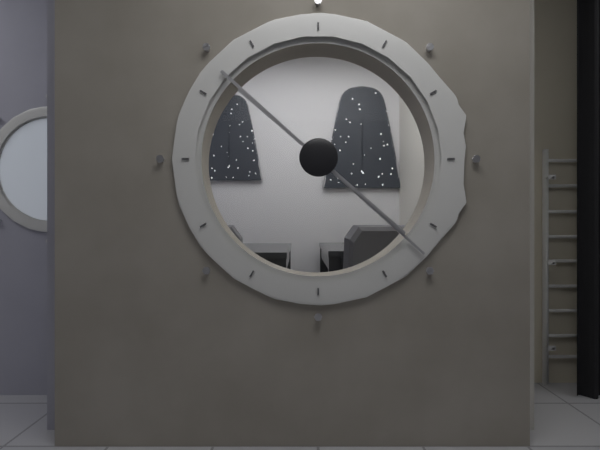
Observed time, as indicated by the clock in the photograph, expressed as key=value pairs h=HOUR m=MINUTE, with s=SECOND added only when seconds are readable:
h=4 m=22
